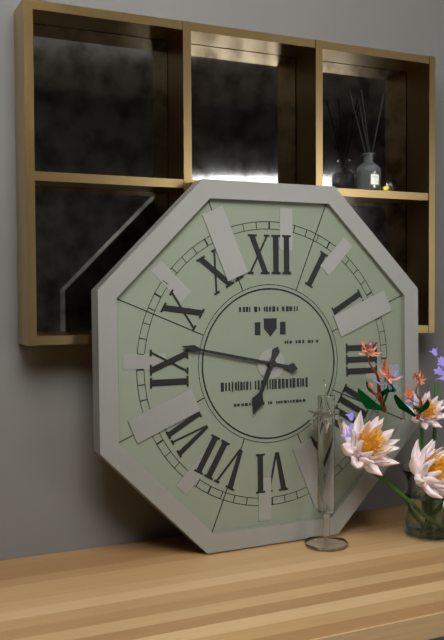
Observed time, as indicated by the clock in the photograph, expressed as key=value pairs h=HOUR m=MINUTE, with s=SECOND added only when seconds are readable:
h=6 m=47
